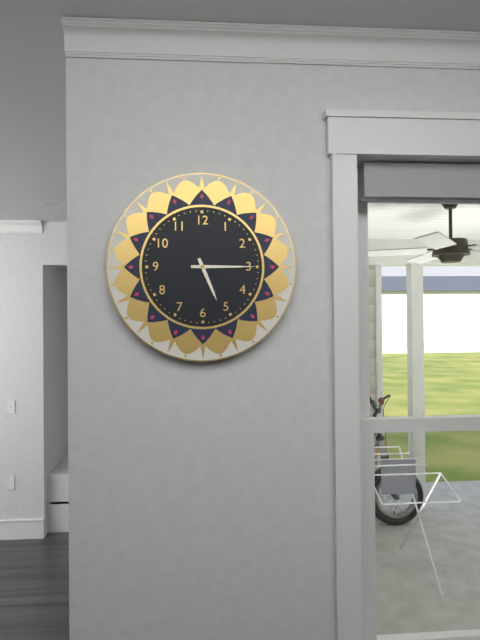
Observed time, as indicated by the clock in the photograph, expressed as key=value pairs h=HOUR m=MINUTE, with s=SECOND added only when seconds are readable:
h=5 m=15
